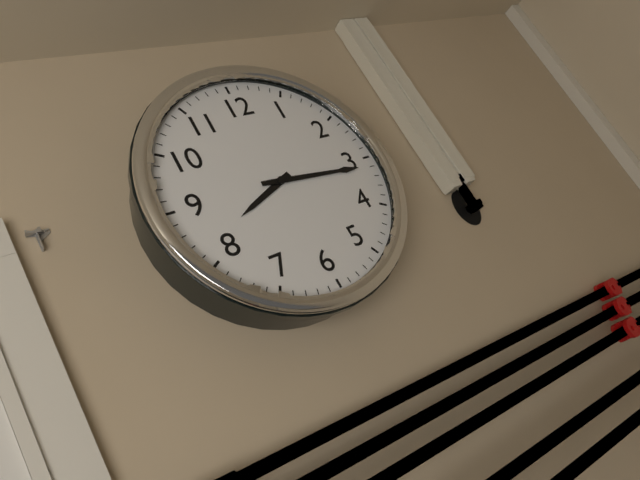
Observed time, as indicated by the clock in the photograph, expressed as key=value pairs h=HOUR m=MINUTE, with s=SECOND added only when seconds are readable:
h=8 m=16
